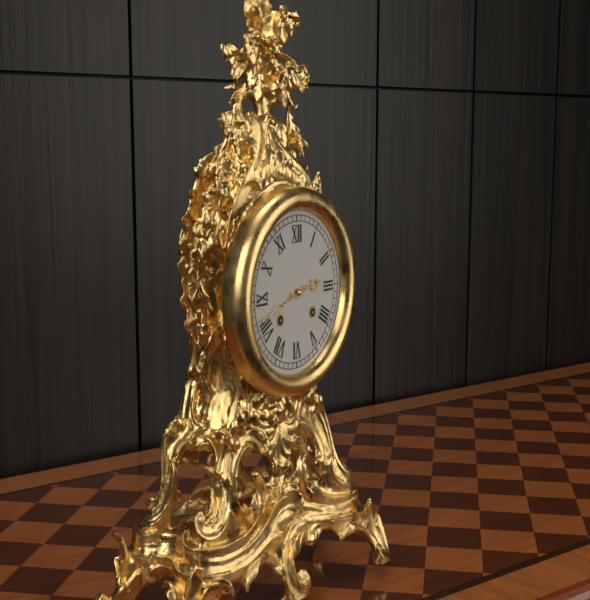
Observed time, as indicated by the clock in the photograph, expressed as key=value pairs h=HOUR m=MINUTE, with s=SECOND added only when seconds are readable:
h=2 m=42
